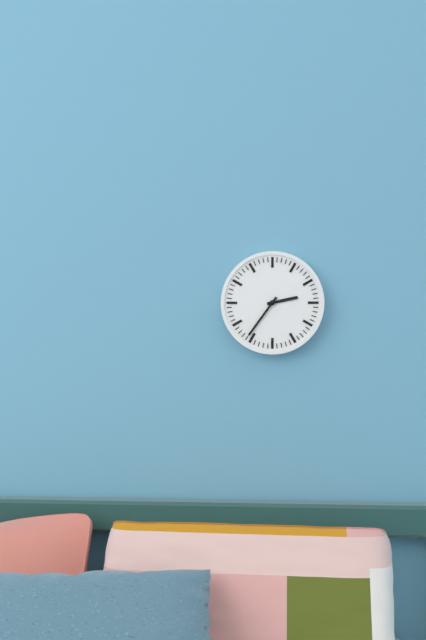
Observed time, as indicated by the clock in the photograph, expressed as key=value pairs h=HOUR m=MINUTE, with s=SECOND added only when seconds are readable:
h=2 m=36
